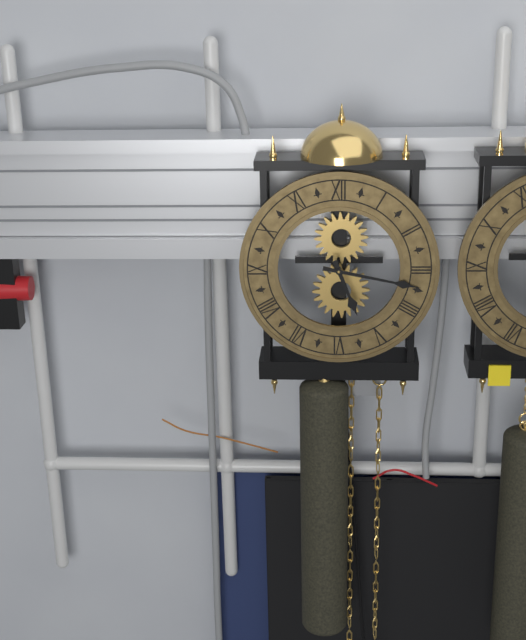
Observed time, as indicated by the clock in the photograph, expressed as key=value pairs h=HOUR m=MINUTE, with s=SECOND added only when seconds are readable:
h=5 m=17
